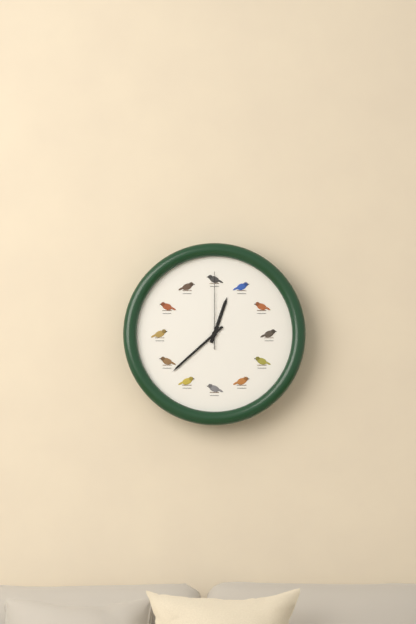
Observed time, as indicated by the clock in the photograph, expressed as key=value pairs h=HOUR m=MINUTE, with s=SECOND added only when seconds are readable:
h=12 m=38 s=0
